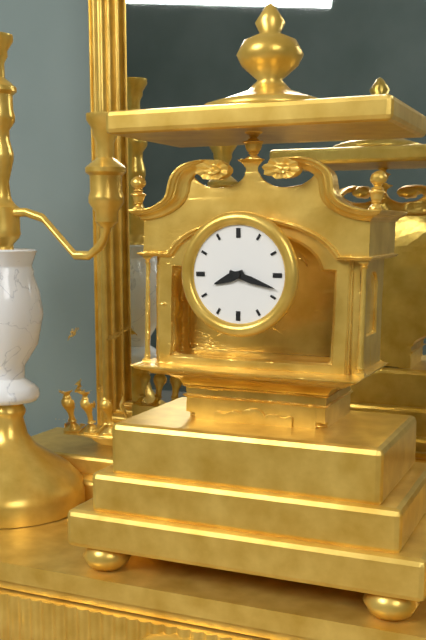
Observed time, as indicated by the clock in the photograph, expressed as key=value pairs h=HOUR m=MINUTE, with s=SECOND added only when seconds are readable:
h=8 m=18
